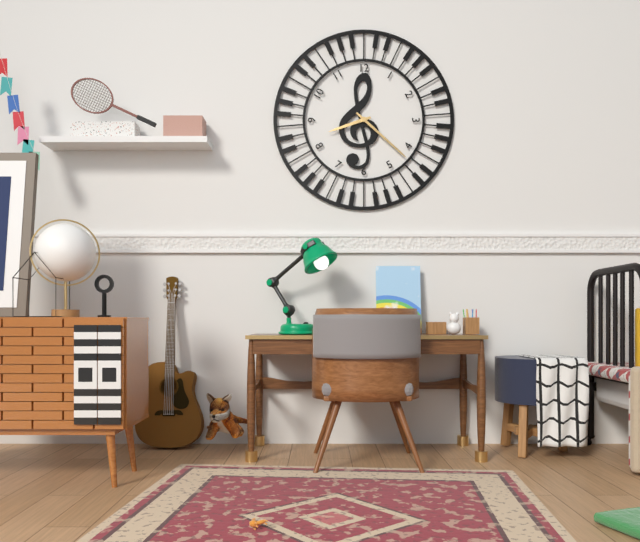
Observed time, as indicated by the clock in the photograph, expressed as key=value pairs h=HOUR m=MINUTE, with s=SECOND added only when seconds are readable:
h=8 m=22
